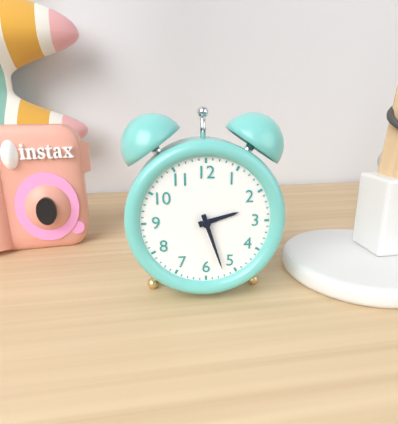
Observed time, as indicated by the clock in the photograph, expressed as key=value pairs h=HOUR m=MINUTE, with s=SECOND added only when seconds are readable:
h=2 m=27
